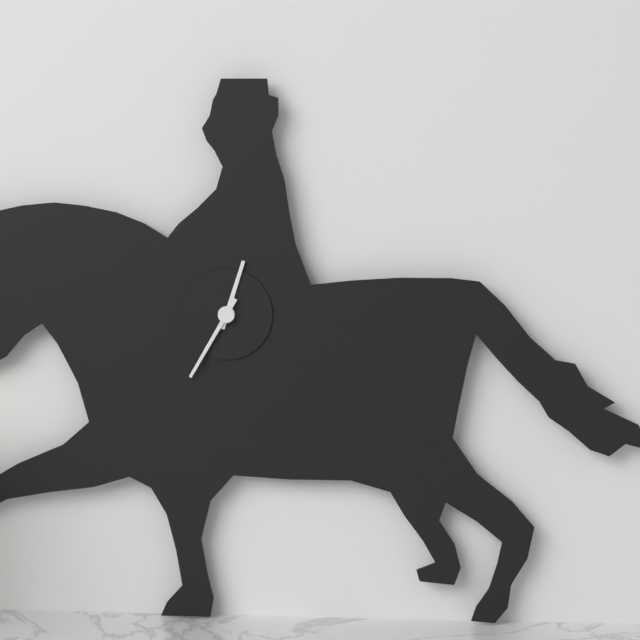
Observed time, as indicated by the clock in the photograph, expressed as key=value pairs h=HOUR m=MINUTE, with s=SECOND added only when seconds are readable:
h=12 m=35
